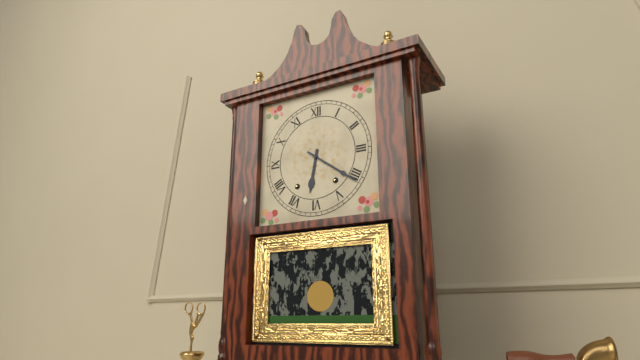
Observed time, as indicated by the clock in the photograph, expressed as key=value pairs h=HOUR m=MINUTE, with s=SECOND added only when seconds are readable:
h=6 m=21
